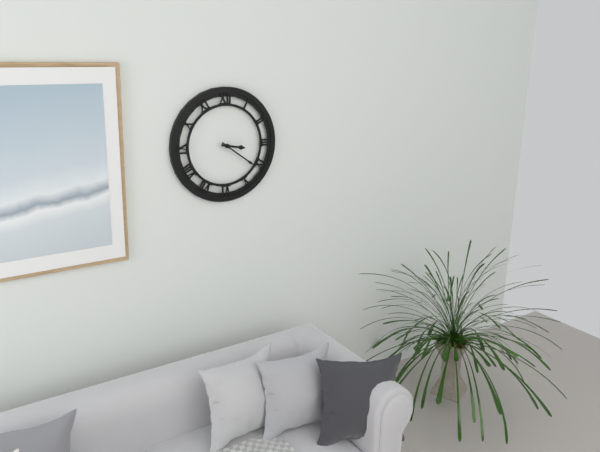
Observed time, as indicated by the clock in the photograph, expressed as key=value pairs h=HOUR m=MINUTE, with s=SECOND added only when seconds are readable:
h=3 m=21
